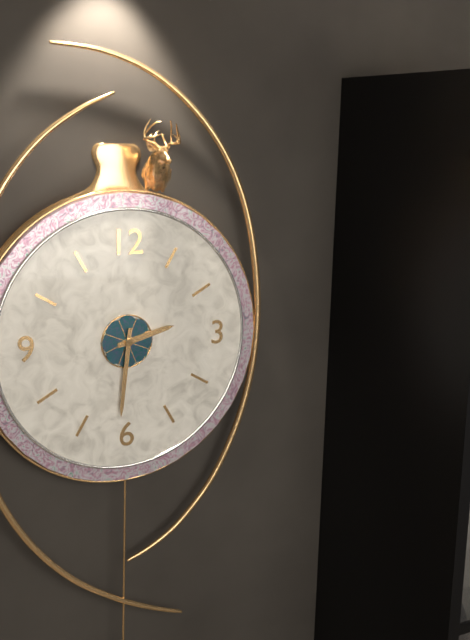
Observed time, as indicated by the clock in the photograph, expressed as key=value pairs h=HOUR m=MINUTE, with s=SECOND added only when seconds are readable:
h=2 m=31
